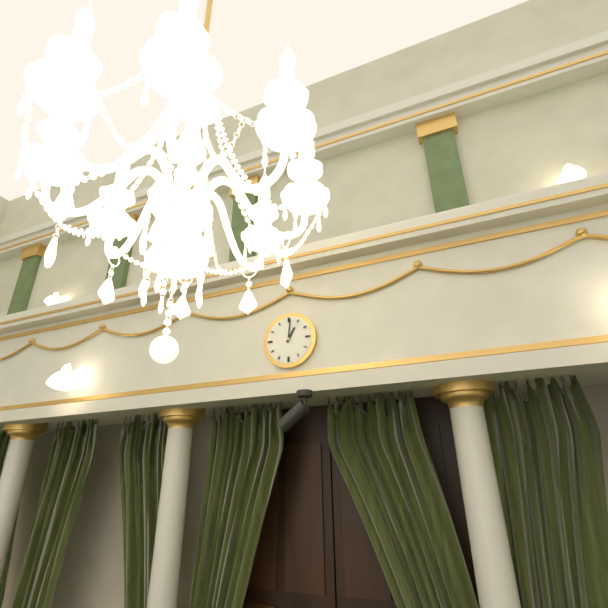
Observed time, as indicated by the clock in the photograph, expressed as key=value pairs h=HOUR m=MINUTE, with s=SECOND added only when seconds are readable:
h=1 m=1
